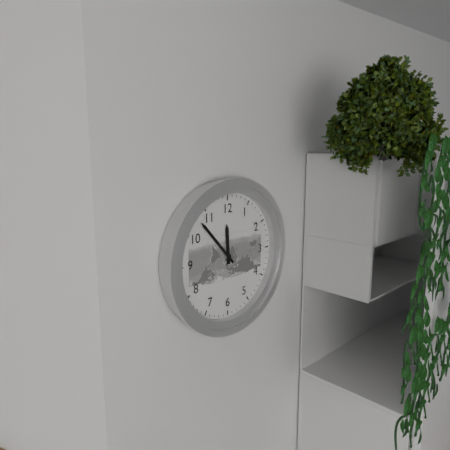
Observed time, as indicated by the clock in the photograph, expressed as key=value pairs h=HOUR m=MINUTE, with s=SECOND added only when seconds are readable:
h=11 m=53
